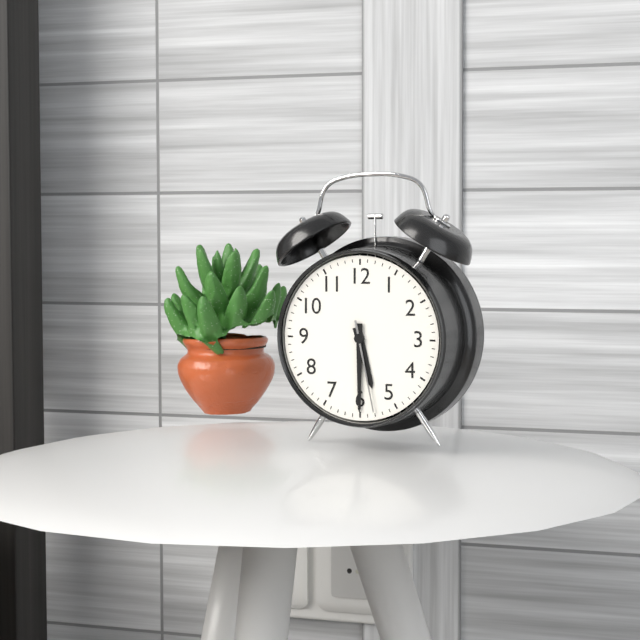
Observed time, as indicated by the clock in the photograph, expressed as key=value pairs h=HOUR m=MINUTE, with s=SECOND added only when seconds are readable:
h=5 m=30 s=28
